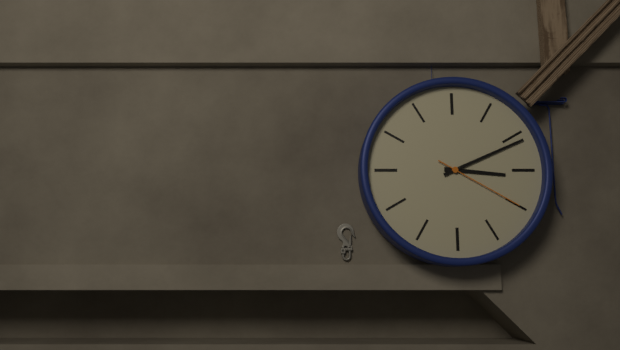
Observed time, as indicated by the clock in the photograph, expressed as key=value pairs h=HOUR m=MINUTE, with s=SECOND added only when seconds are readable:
h=3 m=11 s=20
